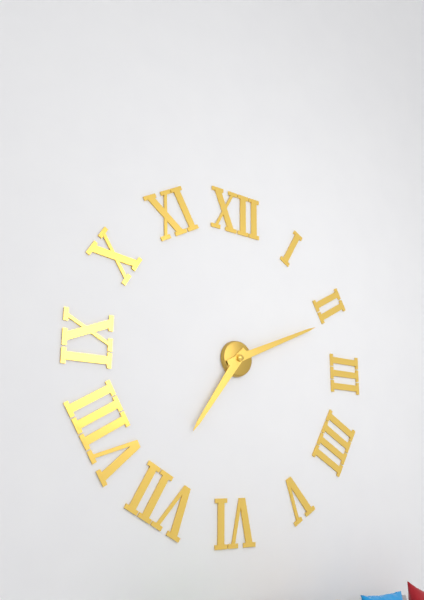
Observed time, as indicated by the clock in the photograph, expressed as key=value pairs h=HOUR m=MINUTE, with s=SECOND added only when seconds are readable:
h=7 m=11
